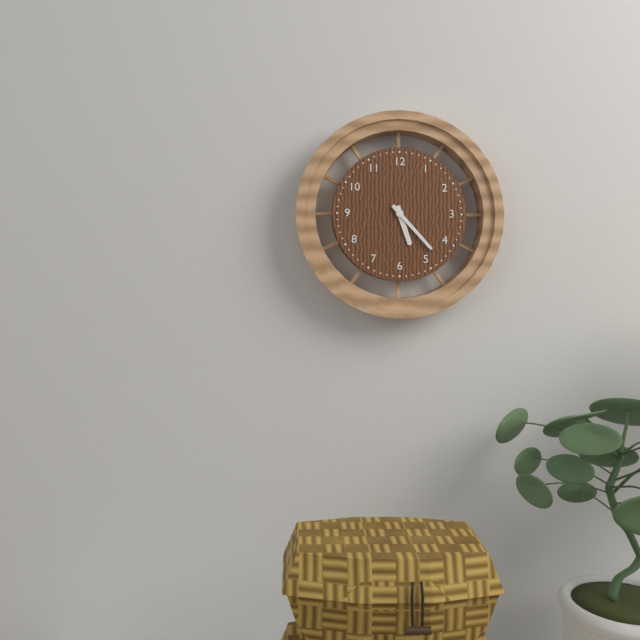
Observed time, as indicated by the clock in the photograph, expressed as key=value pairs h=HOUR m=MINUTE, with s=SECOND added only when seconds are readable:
h=5 m=23
